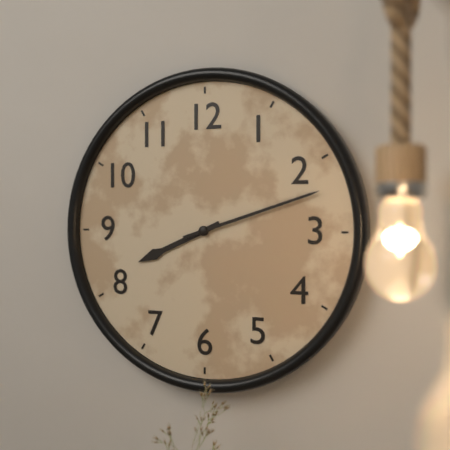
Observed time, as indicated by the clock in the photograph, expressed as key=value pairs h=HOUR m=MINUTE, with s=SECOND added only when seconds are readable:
h=8 m=12
